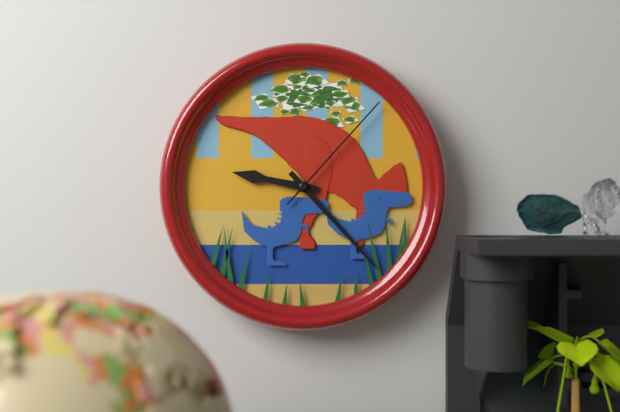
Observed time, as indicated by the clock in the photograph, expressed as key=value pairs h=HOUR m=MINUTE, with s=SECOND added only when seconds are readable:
h=9 m=23 s=7
